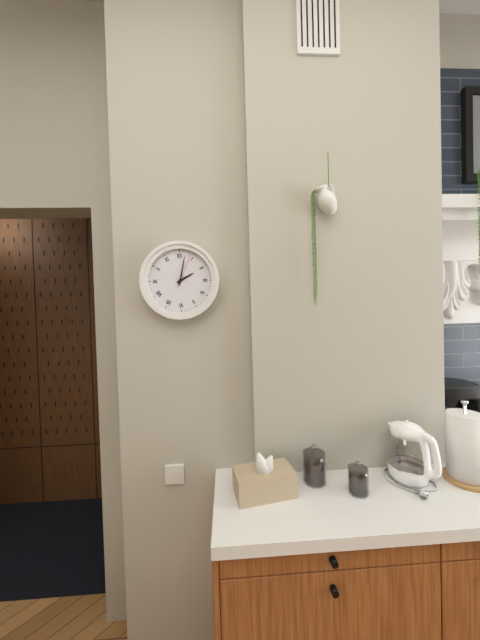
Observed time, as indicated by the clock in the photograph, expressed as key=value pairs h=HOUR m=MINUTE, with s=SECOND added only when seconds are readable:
h=2 m=2
